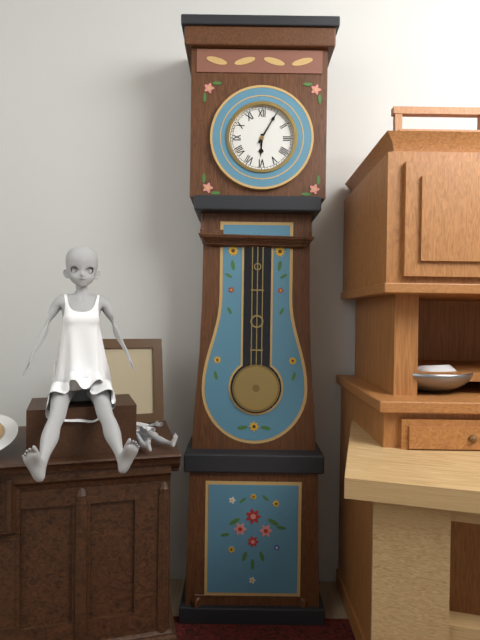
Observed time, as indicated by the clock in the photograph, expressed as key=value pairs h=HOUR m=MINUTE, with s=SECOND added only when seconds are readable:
h=6 m=5
